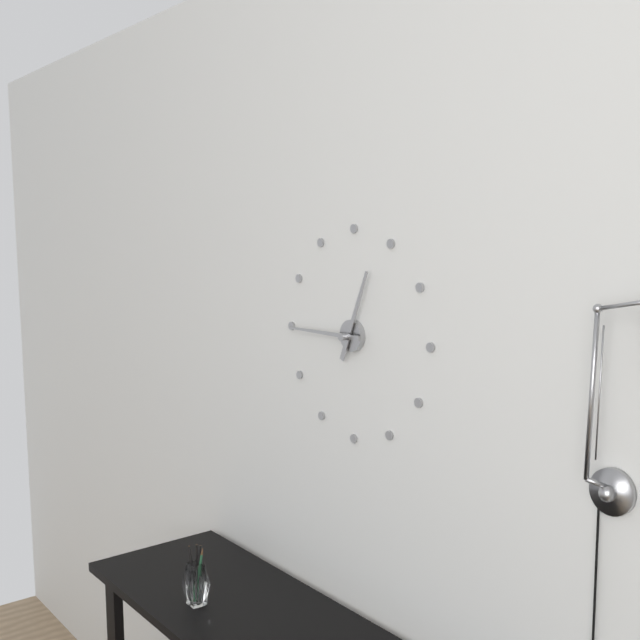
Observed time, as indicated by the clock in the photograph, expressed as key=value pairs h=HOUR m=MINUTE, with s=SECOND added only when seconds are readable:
h=12 m=45
